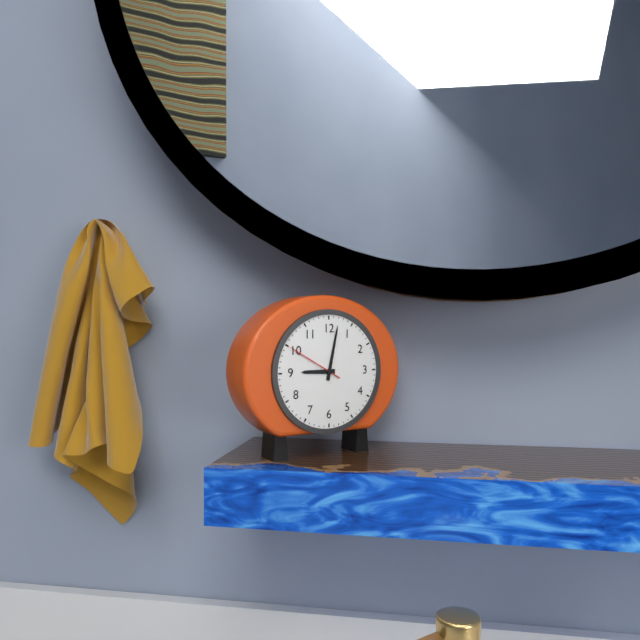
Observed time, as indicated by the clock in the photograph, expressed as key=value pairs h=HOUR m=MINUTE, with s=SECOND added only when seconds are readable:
h=9 m=2 s=50
